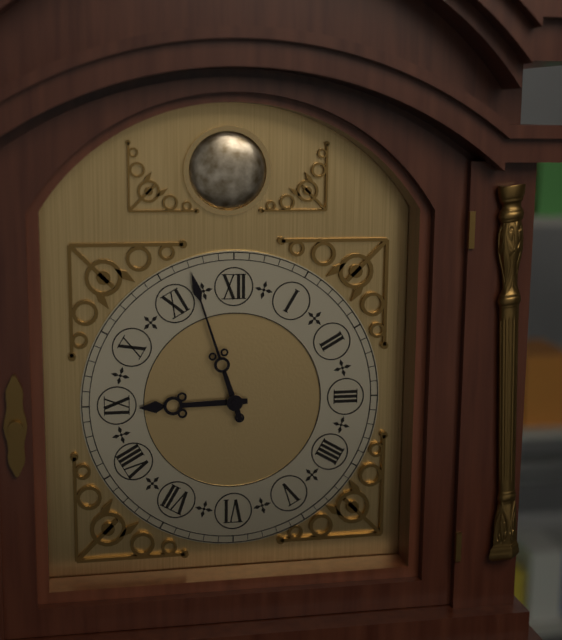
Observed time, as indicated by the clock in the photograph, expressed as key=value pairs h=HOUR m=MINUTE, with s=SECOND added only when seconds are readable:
h=8 m=57
